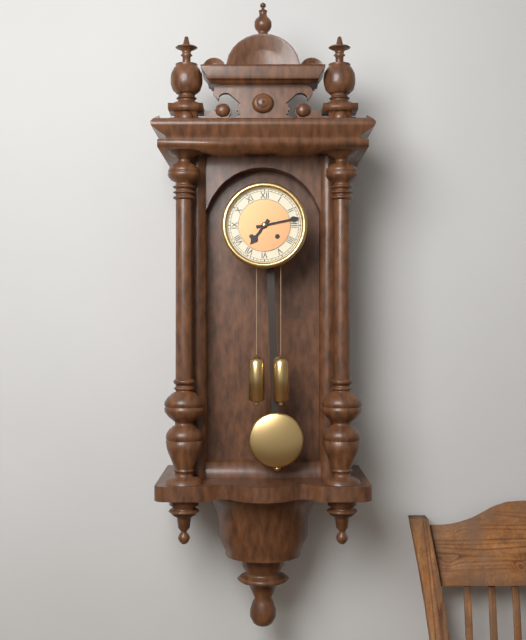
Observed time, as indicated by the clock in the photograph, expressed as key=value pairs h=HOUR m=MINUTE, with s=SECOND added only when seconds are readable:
h=7 m=13
